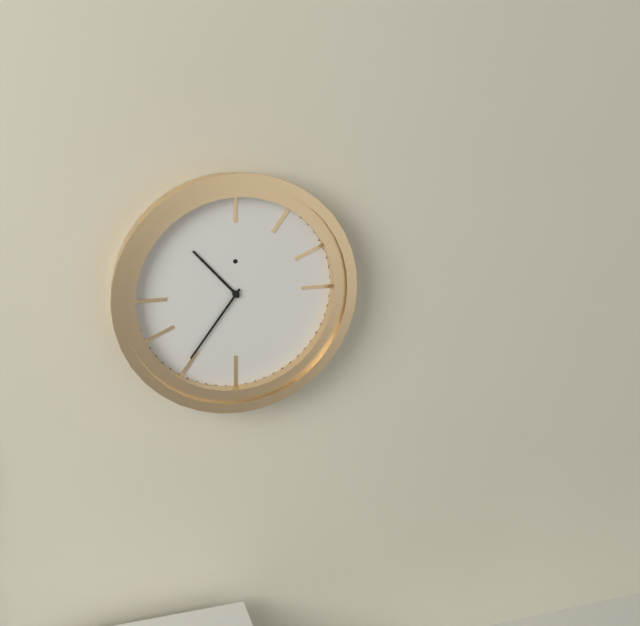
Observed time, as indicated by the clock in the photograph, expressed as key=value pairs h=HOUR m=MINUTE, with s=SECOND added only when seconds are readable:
h=10 m=36
